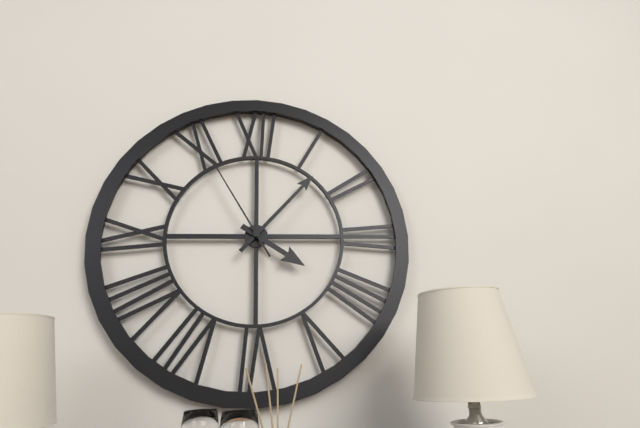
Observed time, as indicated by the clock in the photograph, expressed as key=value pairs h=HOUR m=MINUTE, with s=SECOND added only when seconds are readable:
h=4 m=7 s=55
